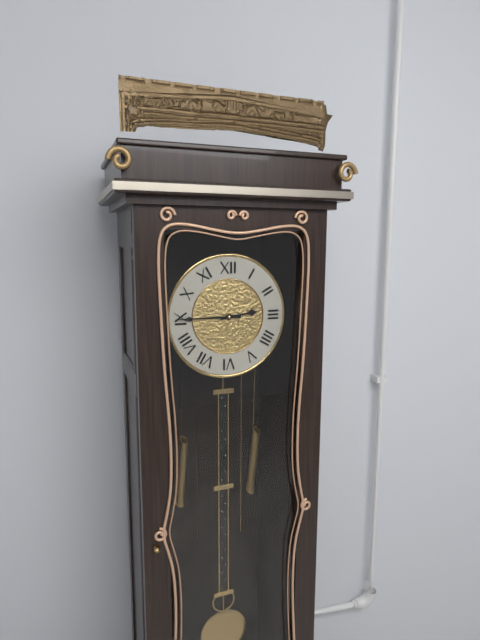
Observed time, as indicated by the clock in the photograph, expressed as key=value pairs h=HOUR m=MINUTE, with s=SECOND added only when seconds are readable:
h=2 m=45
